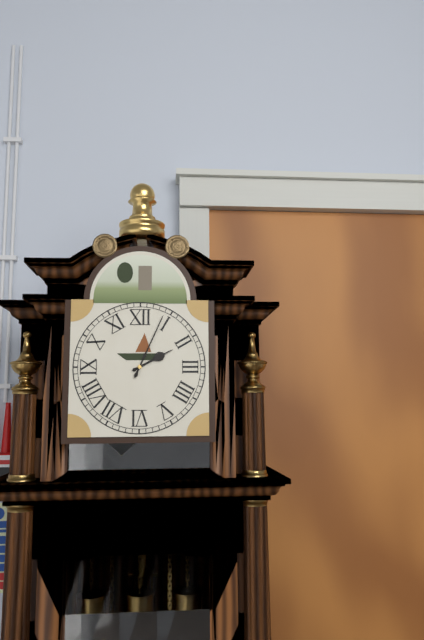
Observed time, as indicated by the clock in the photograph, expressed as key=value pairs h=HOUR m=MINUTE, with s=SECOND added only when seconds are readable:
h=2 m=4
